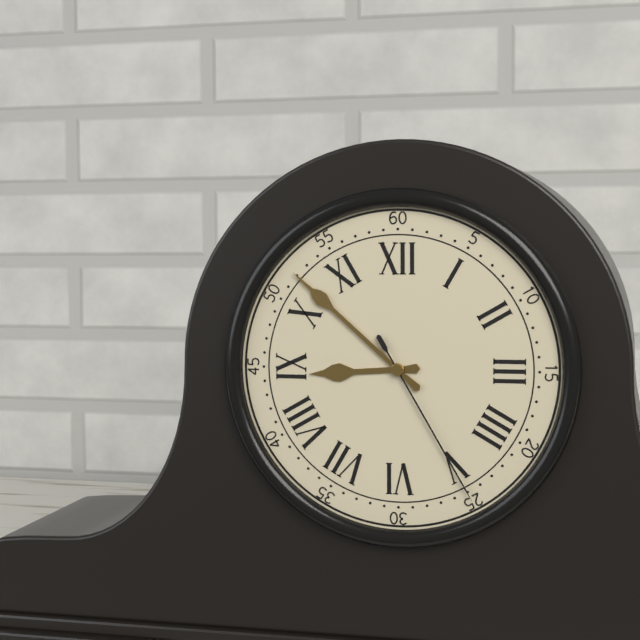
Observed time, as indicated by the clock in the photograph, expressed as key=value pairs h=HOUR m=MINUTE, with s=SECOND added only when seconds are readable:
h=8 m=52 s=25
